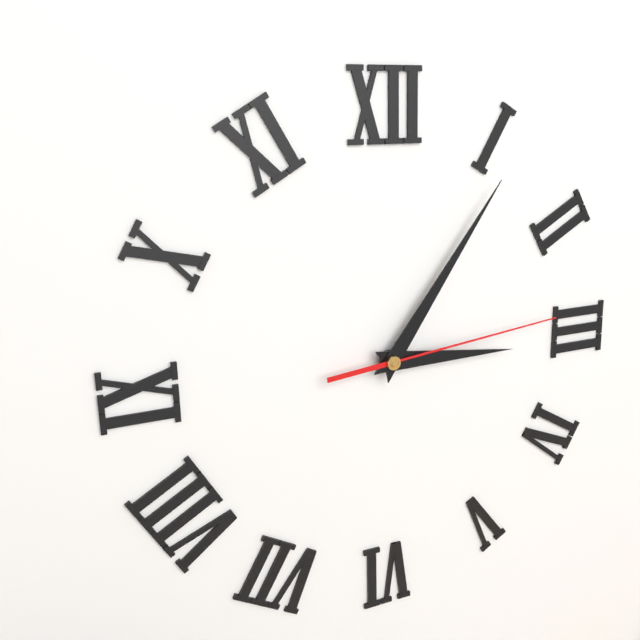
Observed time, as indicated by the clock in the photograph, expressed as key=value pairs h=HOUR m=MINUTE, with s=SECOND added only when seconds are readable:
h=3 m=6 s=14
